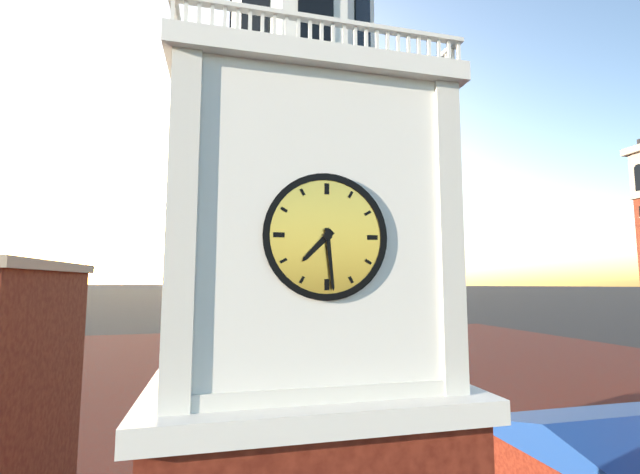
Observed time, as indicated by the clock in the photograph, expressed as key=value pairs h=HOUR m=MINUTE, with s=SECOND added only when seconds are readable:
h=7 m=29
